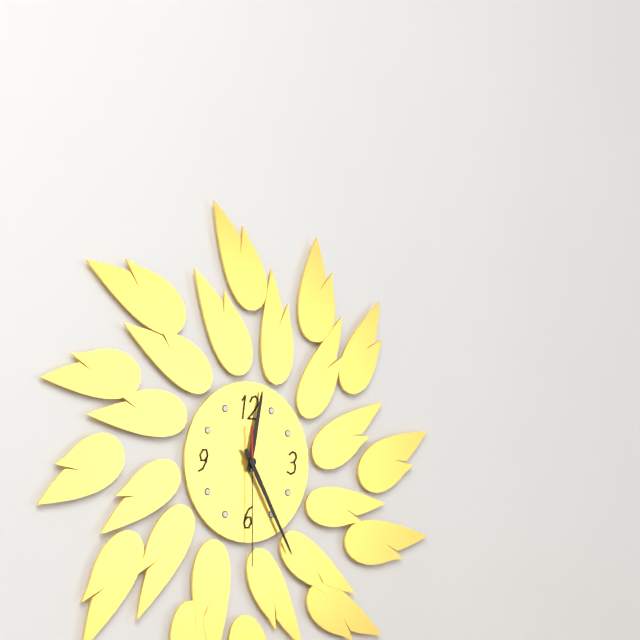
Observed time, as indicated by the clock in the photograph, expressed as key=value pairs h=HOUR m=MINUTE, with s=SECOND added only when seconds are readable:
h=12 m=25 s=30
